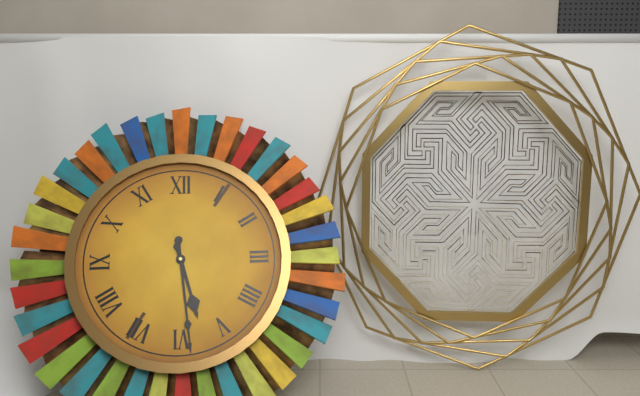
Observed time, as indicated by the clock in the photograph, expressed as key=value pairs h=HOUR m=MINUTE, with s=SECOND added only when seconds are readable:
h=5 m=29
